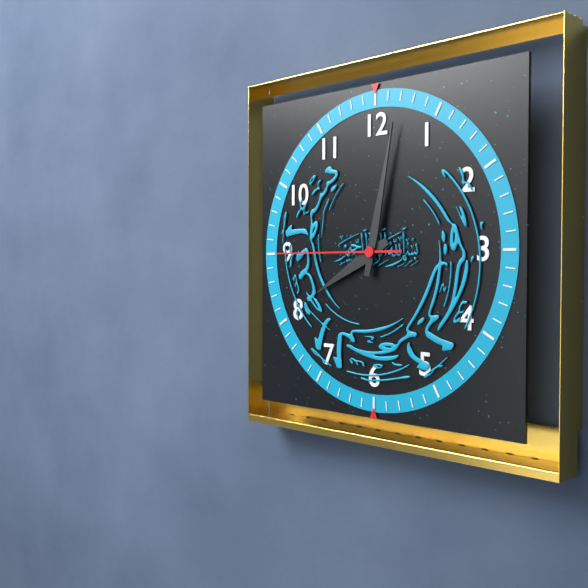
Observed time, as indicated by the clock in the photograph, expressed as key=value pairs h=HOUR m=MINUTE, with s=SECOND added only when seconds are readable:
h=8 m=2 s=45
